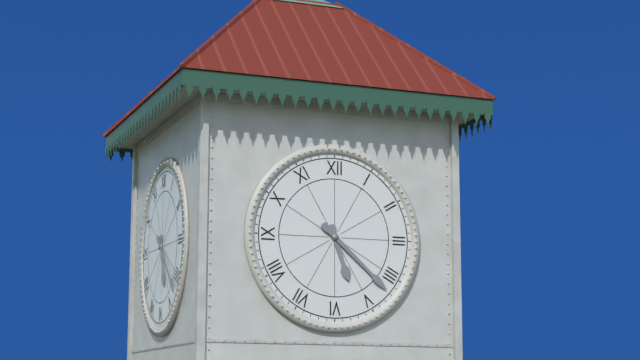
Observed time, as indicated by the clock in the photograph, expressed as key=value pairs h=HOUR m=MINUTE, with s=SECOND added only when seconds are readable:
h=5 m=22
